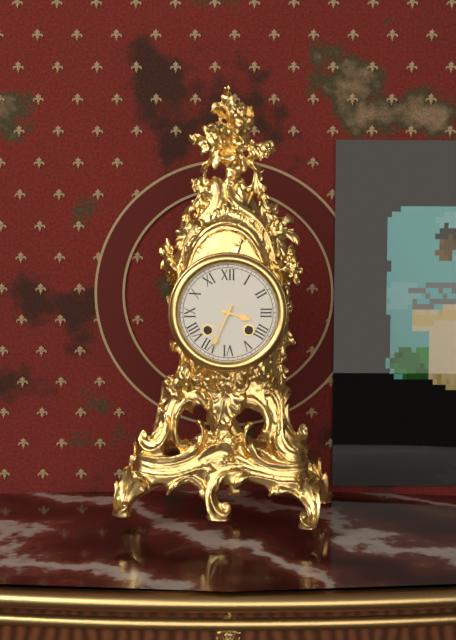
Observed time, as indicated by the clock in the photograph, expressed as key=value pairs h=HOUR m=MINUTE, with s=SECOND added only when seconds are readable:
h=3 m=34
